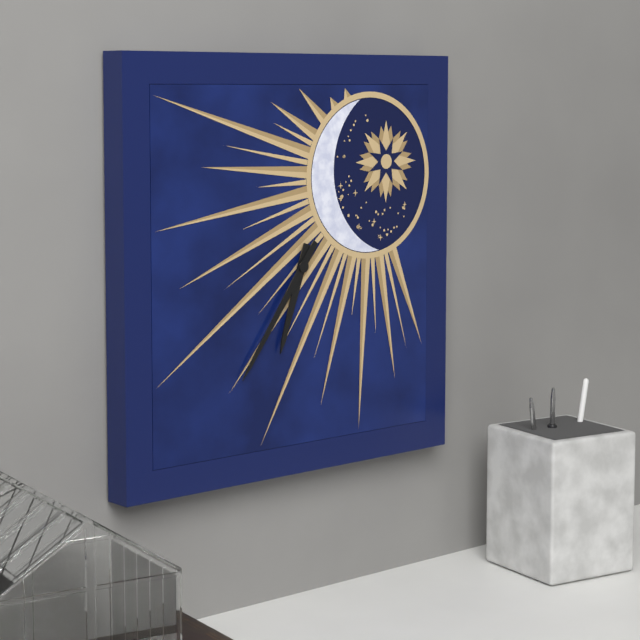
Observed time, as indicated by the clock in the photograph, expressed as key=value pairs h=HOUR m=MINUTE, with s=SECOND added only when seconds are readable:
h=6 m=36
